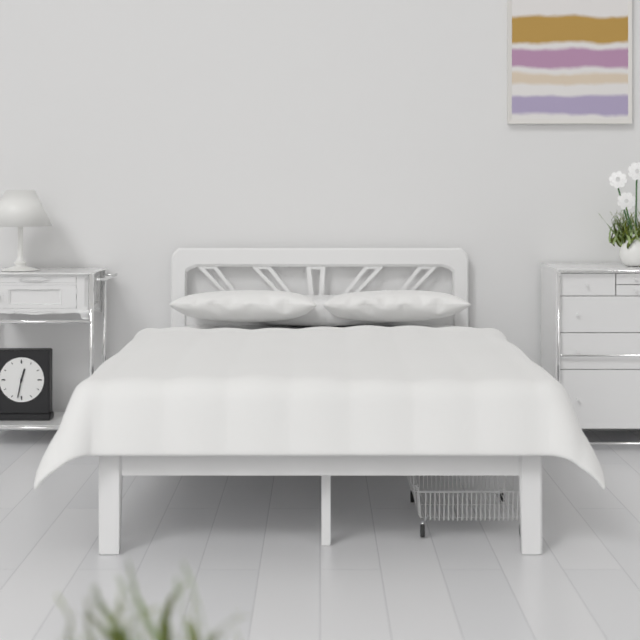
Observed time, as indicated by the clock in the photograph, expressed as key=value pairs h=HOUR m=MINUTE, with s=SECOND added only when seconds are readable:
h=12 m=32
